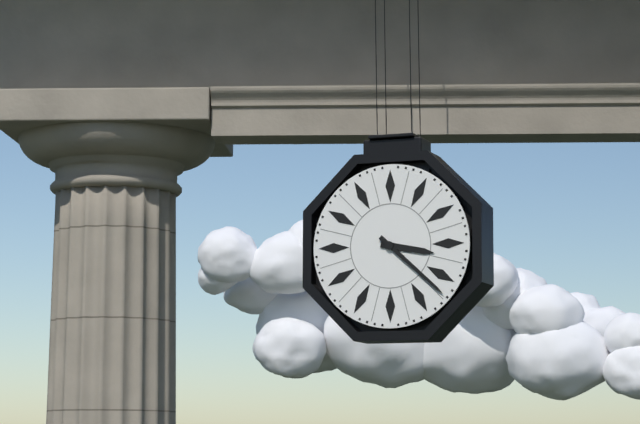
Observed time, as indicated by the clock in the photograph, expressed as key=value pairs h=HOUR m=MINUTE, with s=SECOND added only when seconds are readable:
h=3 m=22
